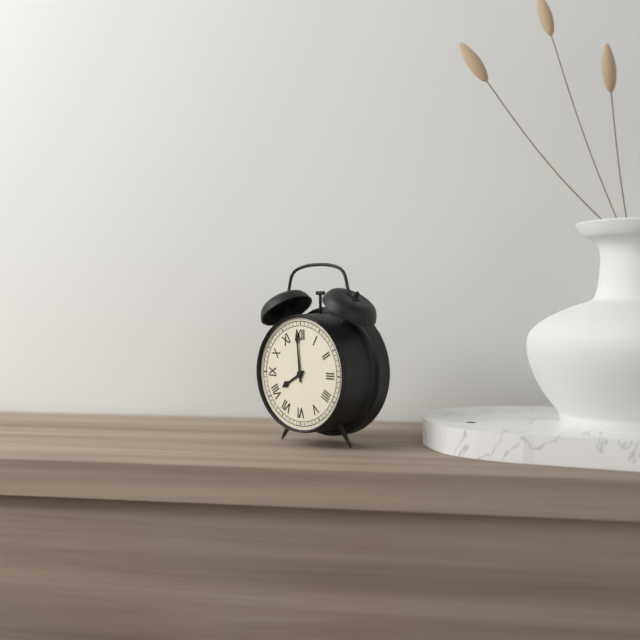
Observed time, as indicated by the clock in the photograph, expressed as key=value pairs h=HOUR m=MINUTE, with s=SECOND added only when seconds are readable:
h=7 m=59
